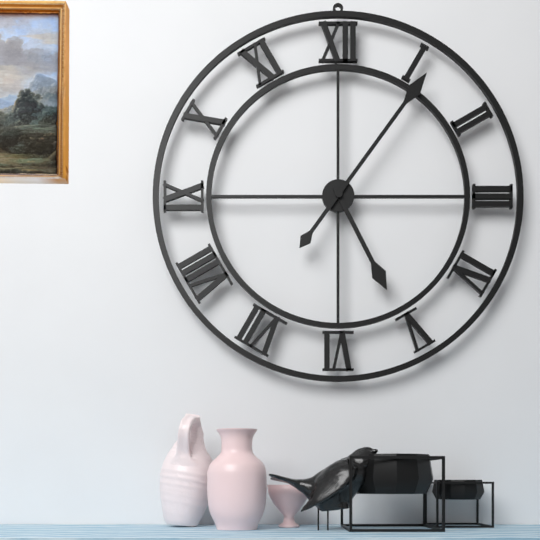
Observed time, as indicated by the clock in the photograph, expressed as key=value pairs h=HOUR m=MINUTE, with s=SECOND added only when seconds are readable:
h=5 m=6
